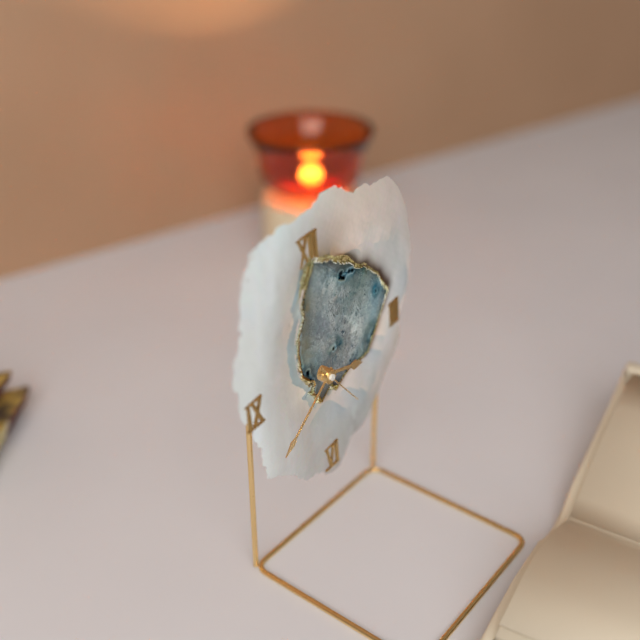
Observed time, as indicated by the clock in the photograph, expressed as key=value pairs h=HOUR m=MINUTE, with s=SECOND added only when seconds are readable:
h=3 m=39
